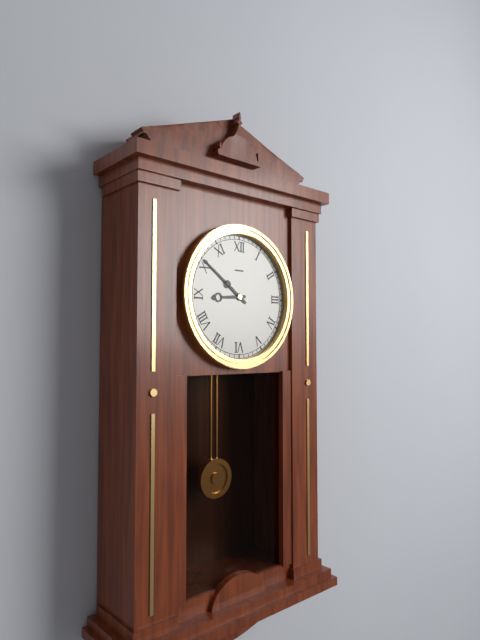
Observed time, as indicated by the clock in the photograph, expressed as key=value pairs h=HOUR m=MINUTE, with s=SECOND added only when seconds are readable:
h=8 m=51
